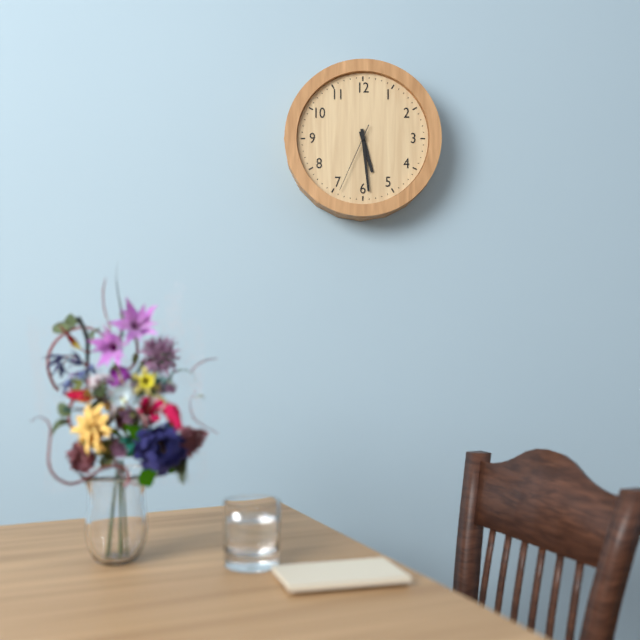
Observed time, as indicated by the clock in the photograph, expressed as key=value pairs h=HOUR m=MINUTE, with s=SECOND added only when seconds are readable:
h=5 m=29 s=34
